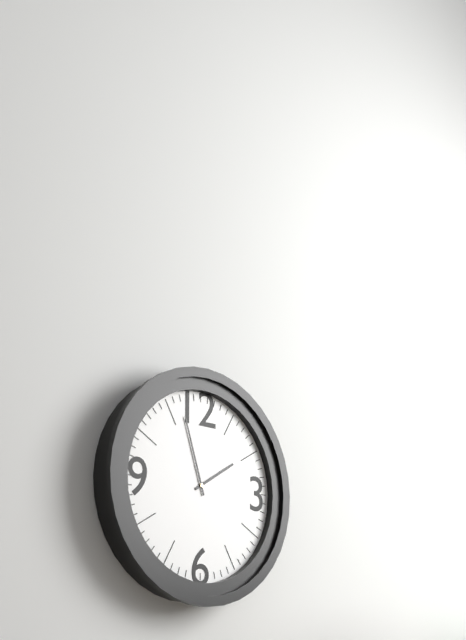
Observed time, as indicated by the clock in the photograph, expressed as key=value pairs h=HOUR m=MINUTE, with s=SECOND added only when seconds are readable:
h=1 m=57
